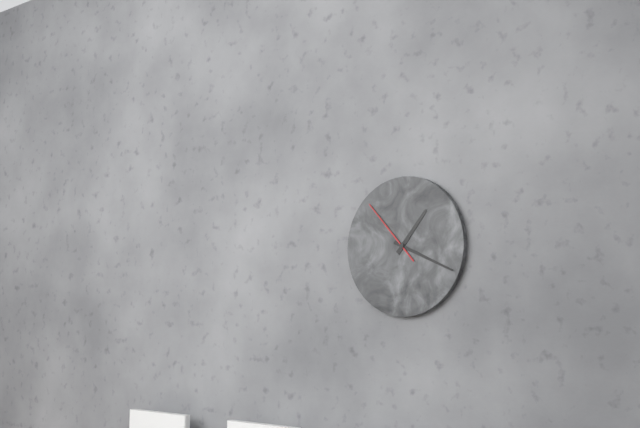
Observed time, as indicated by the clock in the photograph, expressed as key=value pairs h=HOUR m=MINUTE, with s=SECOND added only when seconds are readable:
h=1 m=19 s=53
